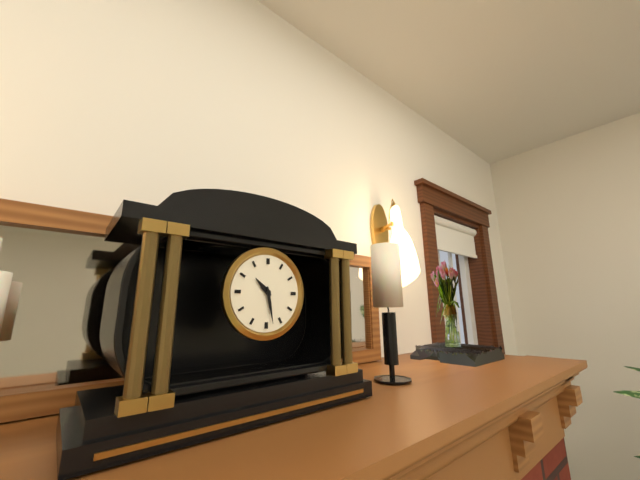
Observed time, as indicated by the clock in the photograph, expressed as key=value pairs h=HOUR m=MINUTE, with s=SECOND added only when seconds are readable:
h=10 m=28
